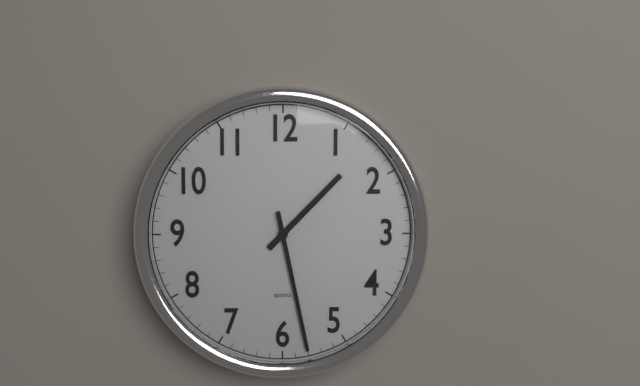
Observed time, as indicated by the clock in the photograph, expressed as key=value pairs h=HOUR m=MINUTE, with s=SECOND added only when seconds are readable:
h=1 m=28
